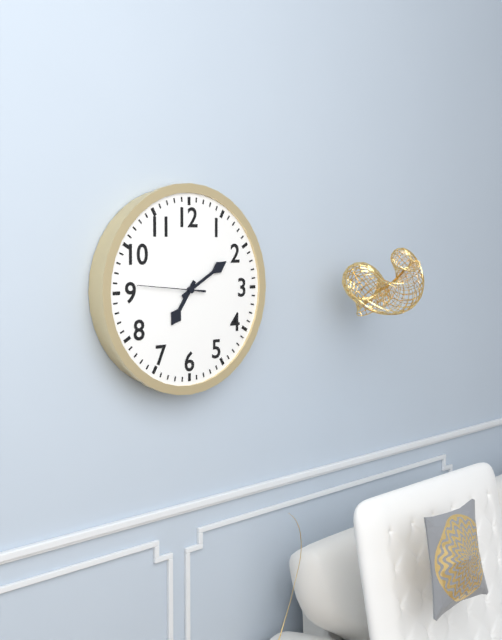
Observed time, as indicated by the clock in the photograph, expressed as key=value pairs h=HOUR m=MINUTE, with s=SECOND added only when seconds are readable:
h=7 m=10 s=46
